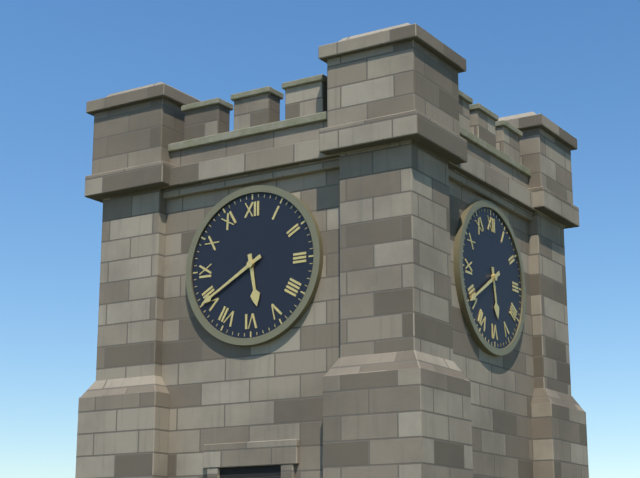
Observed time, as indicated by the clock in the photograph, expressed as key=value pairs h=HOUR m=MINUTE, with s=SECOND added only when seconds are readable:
h=5 m=40
